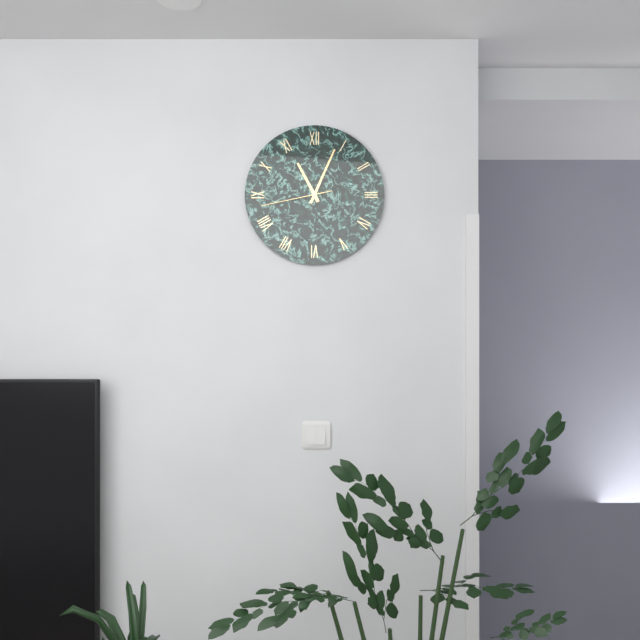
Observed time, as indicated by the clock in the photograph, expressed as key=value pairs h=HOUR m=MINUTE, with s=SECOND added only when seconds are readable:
h=11 m=4 s=43
